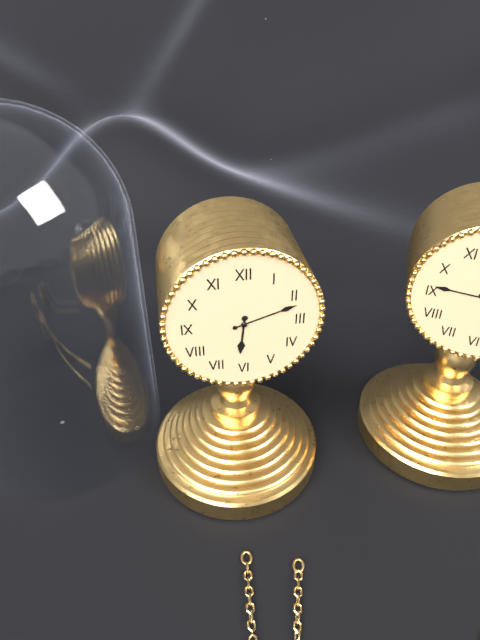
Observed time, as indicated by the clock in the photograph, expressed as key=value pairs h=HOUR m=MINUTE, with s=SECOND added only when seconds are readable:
h=6 m=12
